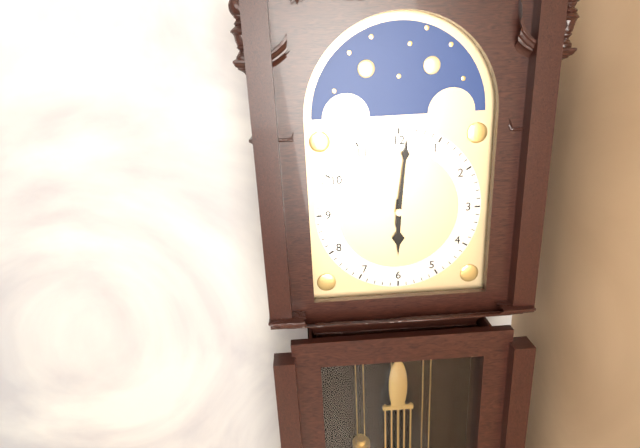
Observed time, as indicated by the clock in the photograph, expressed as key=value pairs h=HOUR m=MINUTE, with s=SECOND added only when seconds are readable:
h=6 m=1
